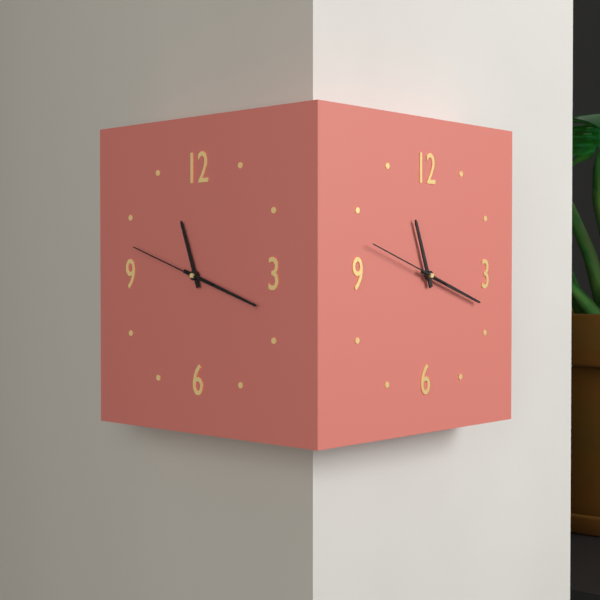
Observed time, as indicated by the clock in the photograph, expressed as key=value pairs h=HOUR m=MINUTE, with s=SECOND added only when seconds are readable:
h=11 m=18 s=48
